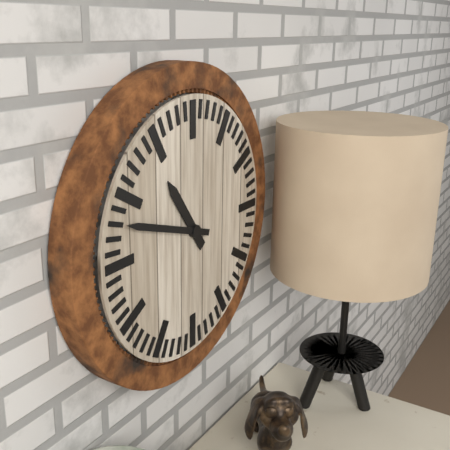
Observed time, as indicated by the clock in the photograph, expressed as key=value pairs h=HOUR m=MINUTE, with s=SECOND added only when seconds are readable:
h=10 m=48
